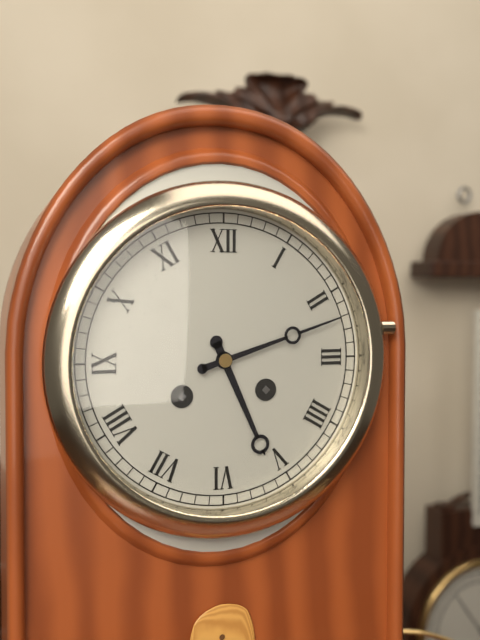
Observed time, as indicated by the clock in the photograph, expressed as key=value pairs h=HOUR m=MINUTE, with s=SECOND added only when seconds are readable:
h=5 m=12
